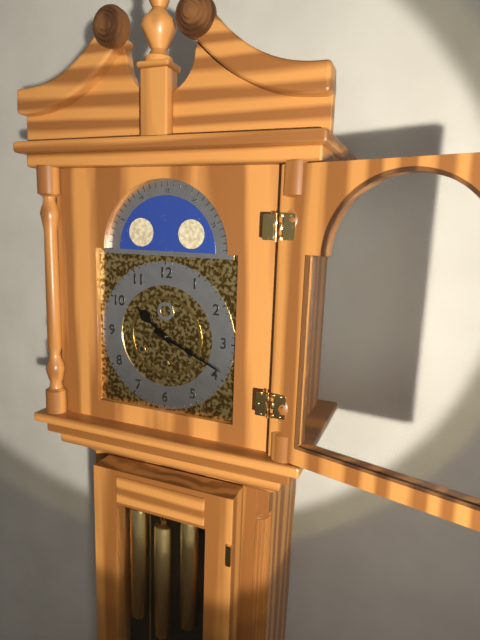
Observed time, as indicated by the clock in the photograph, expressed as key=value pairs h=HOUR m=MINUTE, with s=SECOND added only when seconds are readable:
h=10 m=19
